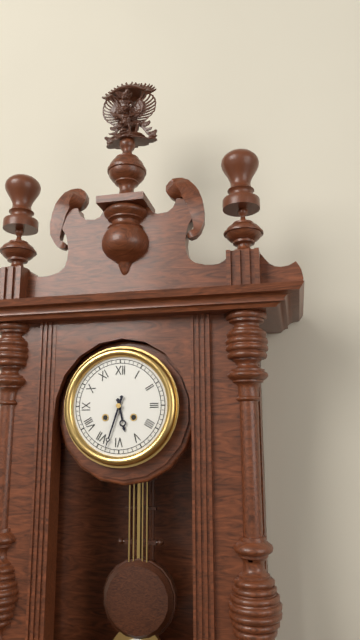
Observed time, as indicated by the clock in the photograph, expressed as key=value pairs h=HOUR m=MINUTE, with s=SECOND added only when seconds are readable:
h=5 m=33
